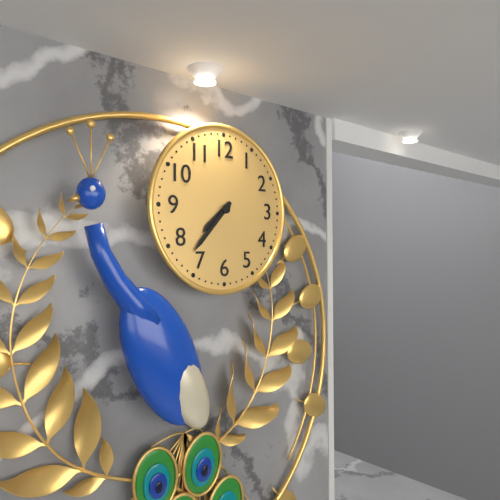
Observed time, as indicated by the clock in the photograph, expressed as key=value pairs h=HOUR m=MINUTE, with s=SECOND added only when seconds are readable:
h=7 m=37
